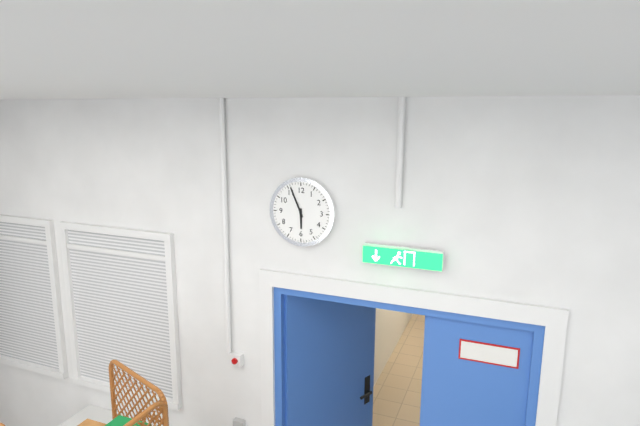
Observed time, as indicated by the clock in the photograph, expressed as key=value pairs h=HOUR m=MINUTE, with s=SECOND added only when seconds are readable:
h=5 m=56
